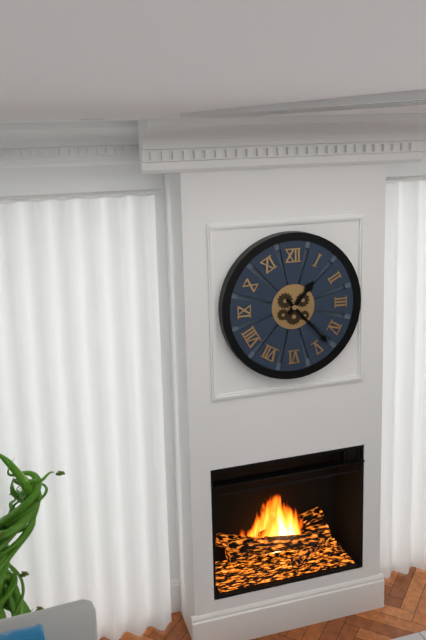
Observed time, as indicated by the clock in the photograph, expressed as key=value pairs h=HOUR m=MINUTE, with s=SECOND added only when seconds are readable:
h=1 m=23
